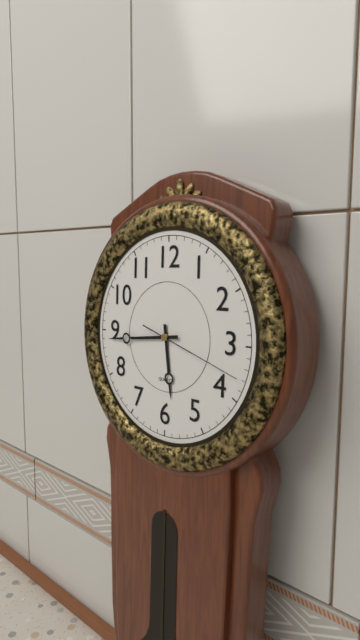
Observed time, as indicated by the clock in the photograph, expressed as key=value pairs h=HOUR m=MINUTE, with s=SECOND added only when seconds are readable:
h=5 m=44 s=18
